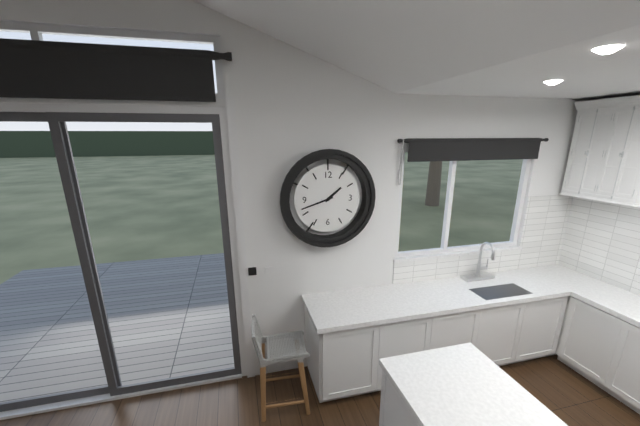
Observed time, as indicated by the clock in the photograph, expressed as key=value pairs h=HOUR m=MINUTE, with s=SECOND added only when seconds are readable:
h=1 m=42
